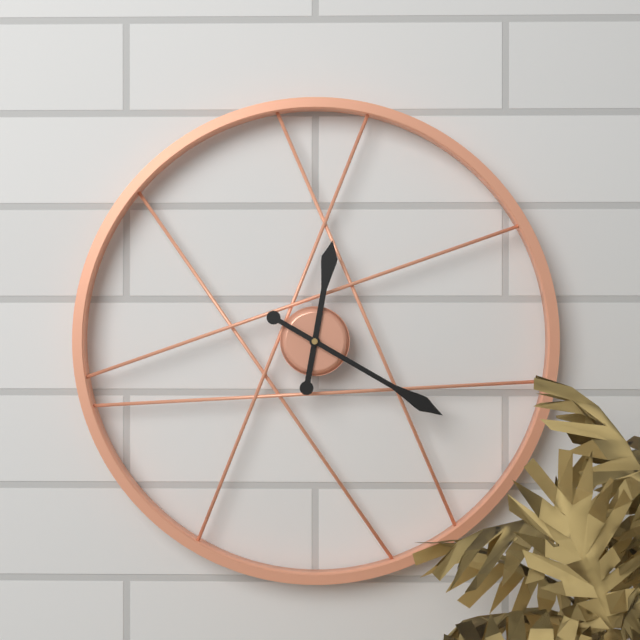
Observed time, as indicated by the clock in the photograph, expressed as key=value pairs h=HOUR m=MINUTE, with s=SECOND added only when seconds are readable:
h=12 m=20
